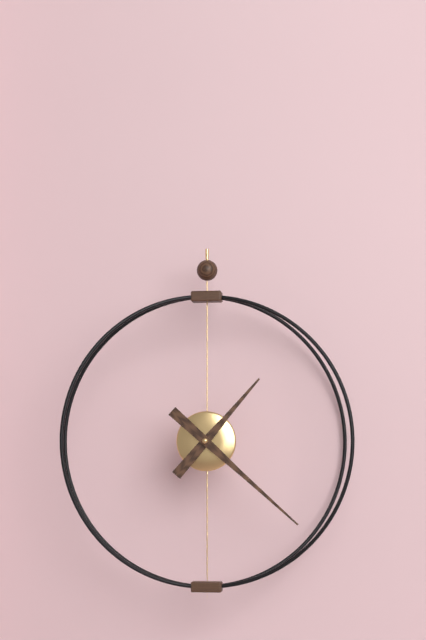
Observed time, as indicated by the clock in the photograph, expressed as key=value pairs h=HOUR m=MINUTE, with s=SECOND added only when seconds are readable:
h=1 m=22
